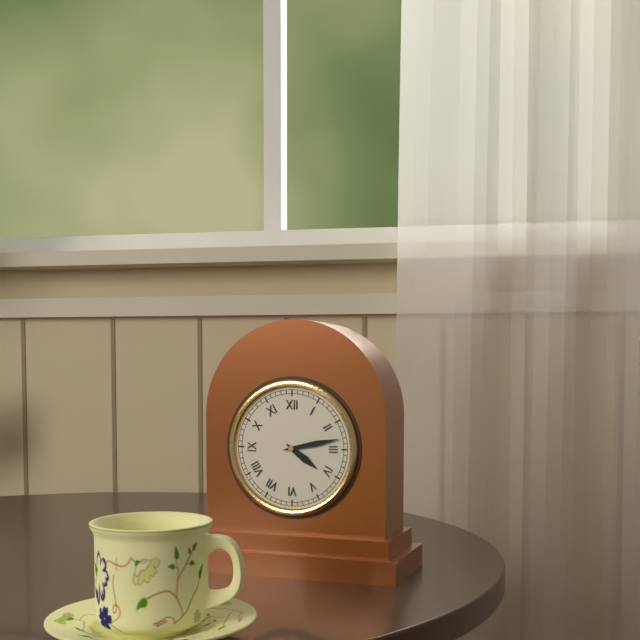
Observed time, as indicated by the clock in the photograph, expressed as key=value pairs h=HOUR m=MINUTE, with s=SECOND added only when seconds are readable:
h=4 m=13
